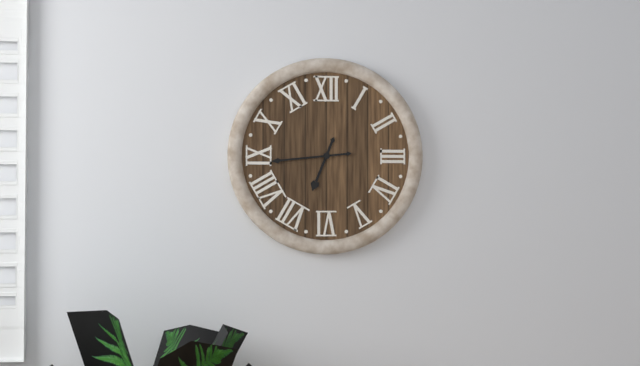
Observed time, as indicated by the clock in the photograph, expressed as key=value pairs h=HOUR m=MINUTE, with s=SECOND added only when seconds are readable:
h=6 m=44
